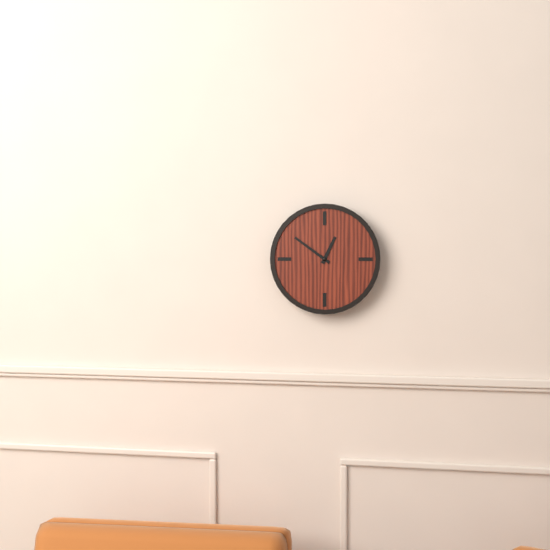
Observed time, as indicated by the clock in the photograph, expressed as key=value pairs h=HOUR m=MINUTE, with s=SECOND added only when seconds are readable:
h=12 m=51
